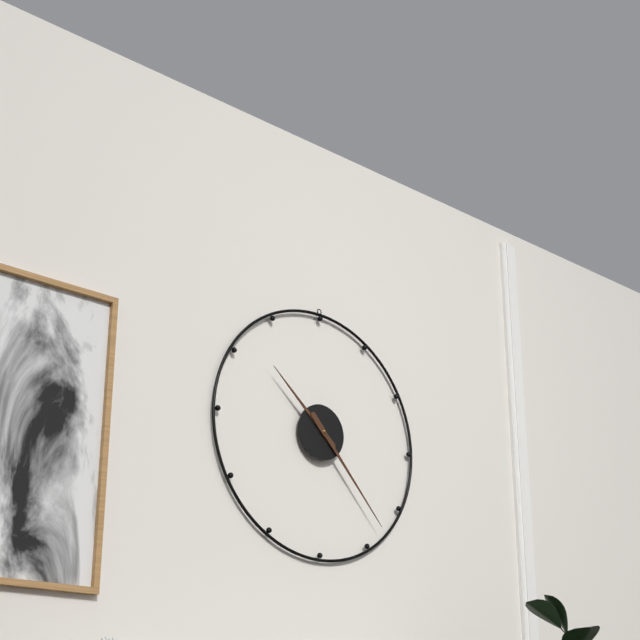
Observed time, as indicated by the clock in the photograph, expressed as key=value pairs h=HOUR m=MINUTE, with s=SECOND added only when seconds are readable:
h=10 m=23
